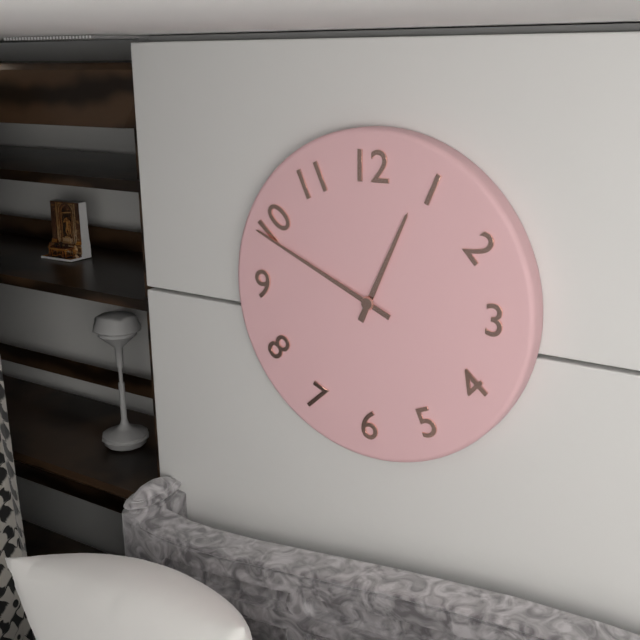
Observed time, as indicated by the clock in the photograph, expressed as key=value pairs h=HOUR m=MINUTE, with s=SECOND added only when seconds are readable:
h=12 m=49
